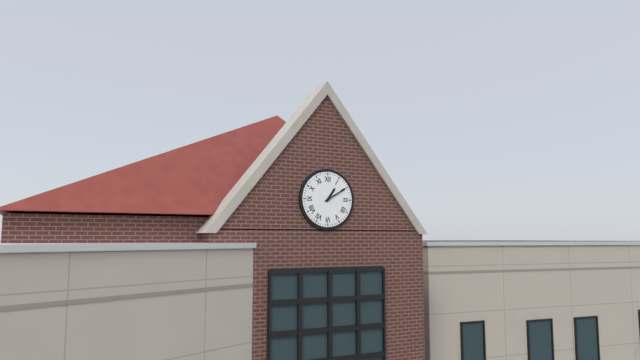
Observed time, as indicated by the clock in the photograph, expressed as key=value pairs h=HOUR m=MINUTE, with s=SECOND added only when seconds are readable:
h=1 m=10
